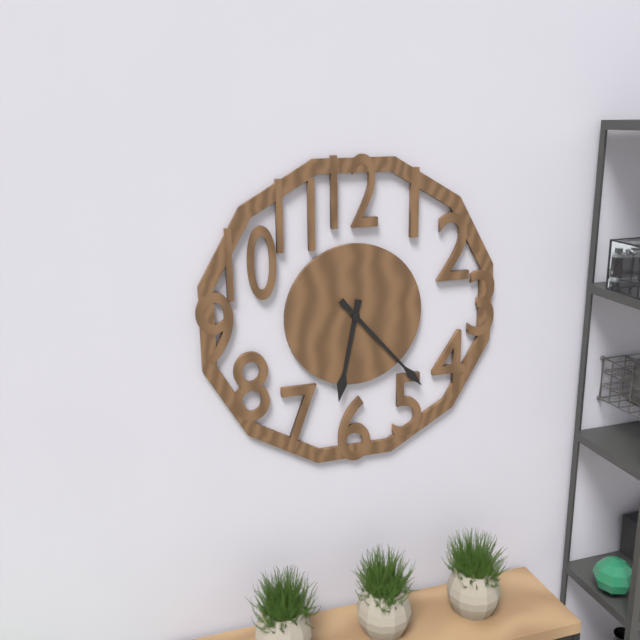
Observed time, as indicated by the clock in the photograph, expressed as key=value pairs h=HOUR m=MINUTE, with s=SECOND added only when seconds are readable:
h=6 m=23
